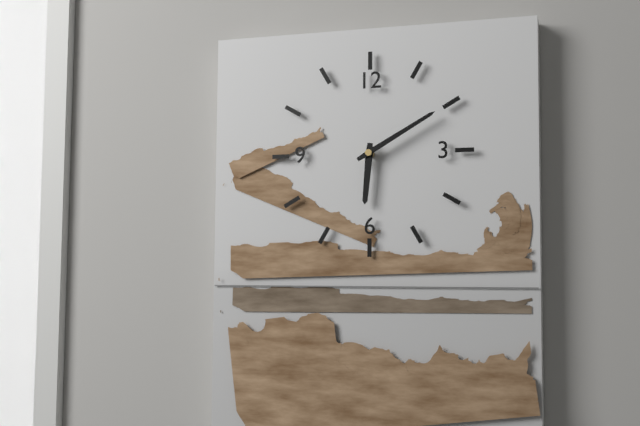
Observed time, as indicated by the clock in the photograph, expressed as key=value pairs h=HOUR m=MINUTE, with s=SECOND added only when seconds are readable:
h=6 m=10
